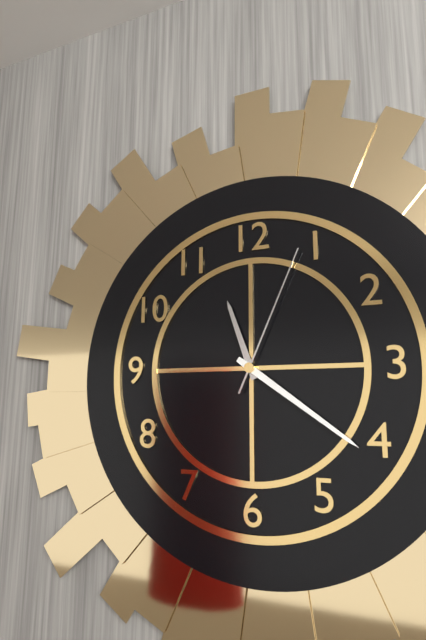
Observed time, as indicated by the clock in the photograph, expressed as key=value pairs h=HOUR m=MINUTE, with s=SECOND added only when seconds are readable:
h=11 m=21 s=4
